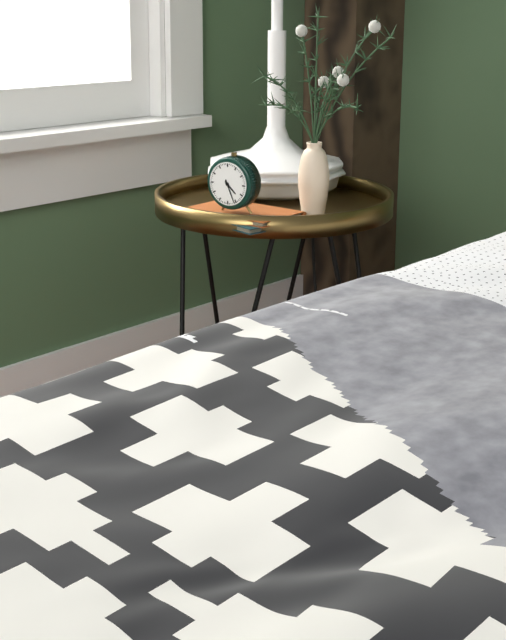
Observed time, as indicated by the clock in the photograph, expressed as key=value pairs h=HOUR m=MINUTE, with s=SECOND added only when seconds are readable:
h=4 m=26
